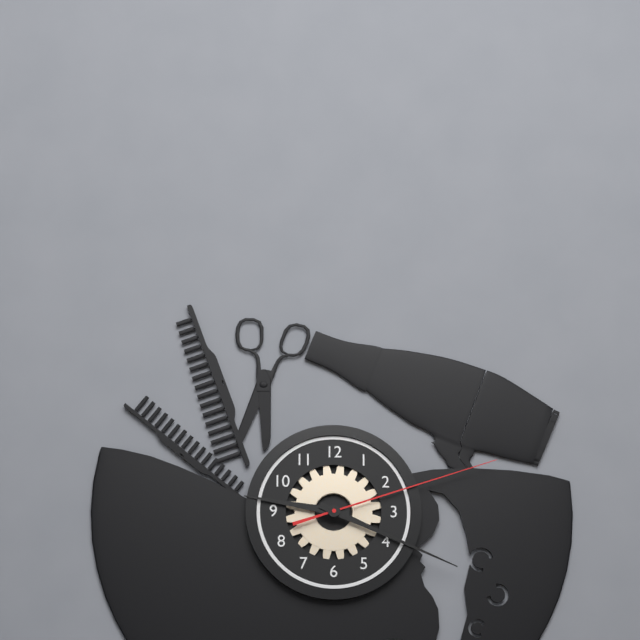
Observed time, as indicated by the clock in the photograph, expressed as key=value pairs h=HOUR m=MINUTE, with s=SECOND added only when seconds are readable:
h=9 m=19 s=12
